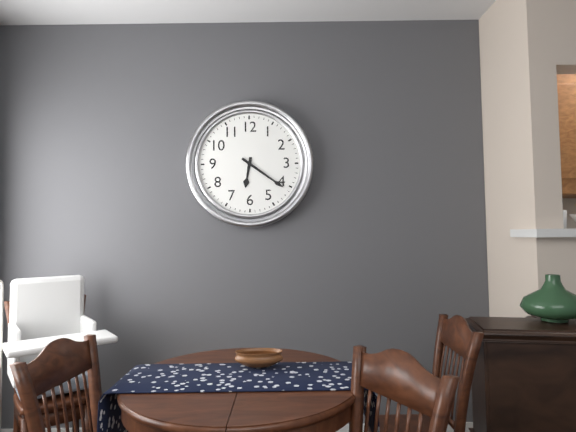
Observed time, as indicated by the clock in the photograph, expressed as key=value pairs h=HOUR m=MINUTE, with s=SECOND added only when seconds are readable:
h=6 m=21
